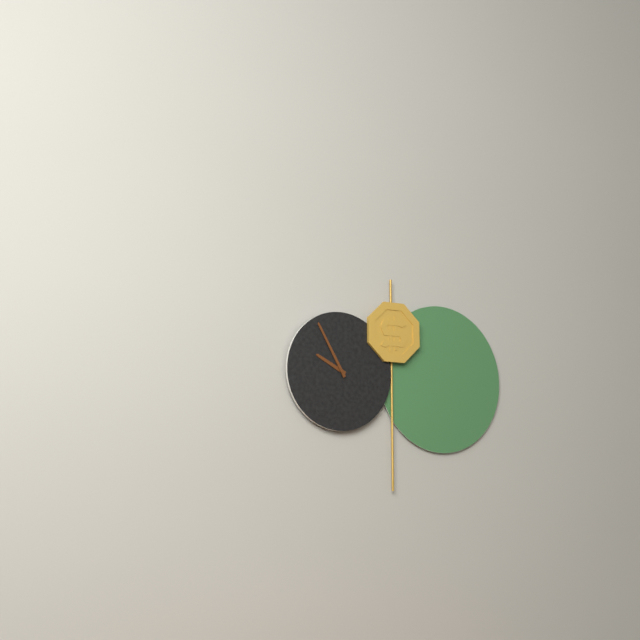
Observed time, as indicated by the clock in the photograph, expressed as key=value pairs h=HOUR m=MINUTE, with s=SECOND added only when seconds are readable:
h=9 m=55
